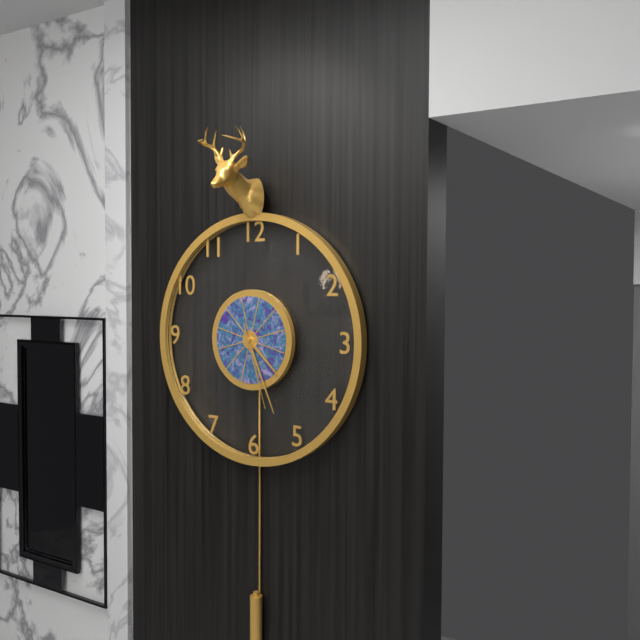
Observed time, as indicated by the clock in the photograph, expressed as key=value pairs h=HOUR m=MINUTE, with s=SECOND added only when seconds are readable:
h=4 m=26 s=27
